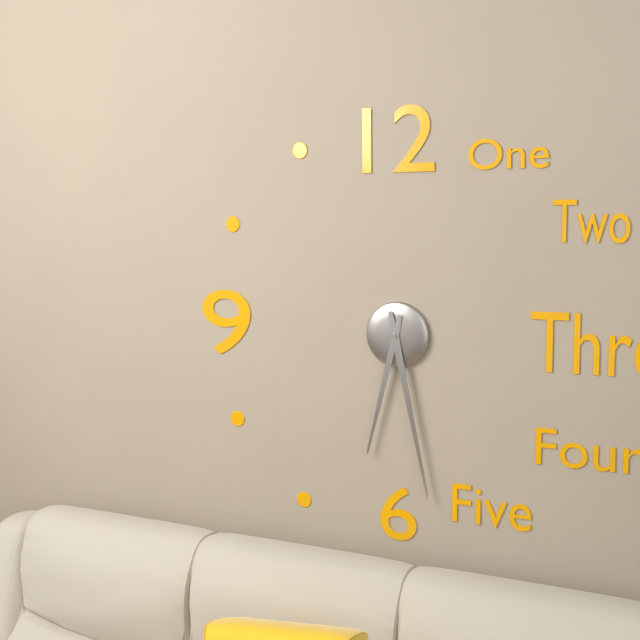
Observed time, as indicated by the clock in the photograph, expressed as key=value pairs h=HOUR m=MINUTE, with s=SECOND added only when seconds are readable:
h=6 m=28
